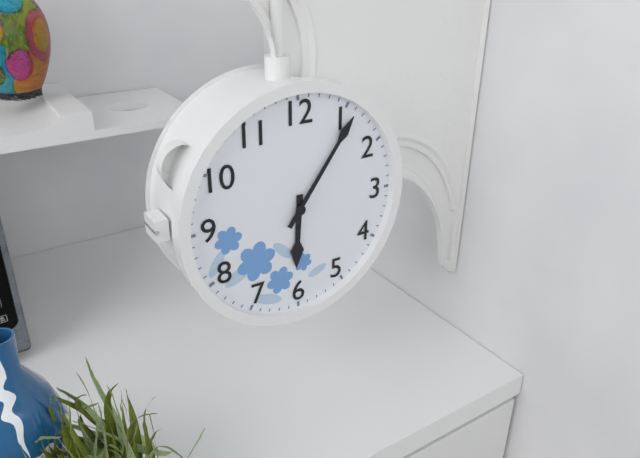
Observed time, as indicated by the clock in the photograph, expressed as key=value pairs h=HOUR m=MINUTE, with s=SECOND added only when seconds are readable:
h=6 m=6
